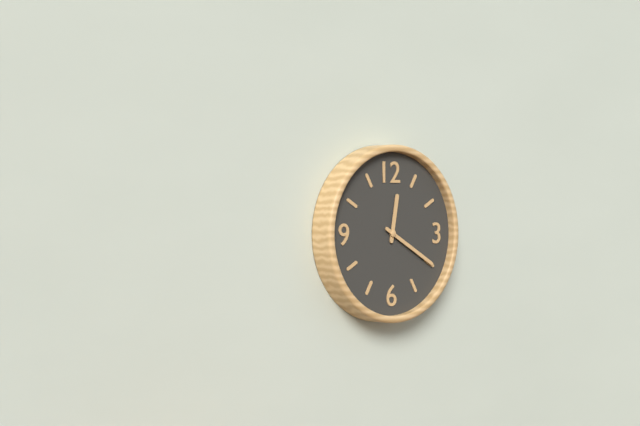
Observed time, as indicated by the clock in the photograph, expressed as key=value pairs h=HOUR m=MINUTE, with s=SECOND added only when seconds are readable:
h=12 m=20
